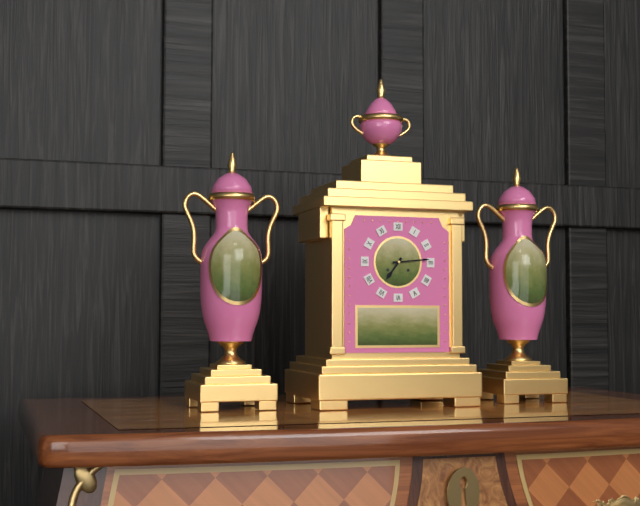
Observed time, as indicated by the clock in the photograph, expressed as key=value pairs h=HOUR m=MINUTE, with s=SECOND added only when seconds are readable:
h=7 m=14
